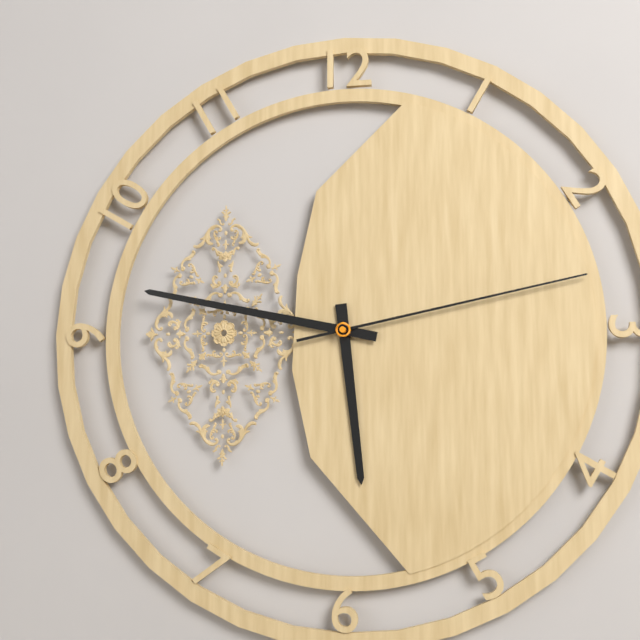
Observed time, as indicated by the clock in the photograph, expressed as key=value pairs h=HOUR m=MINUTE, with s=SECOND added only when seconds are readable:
h=5 m=47 s=13
